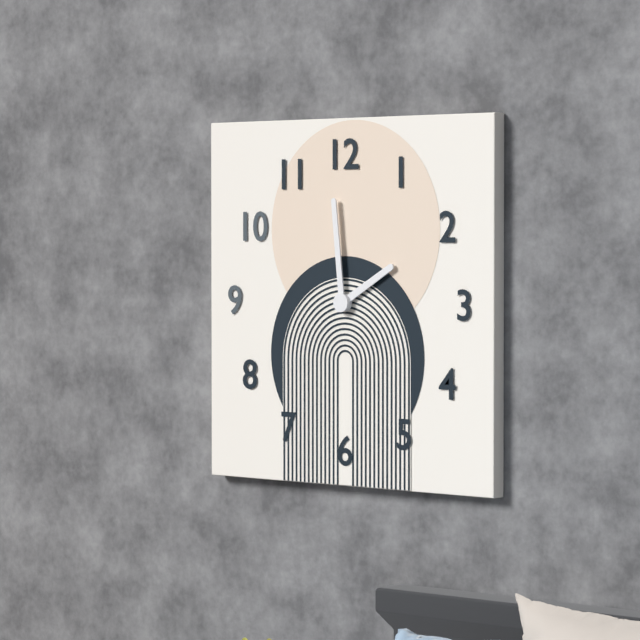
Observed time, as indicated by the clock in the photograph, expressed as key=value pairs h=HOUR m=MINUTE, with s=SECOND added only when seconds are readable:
h=1 m=59
